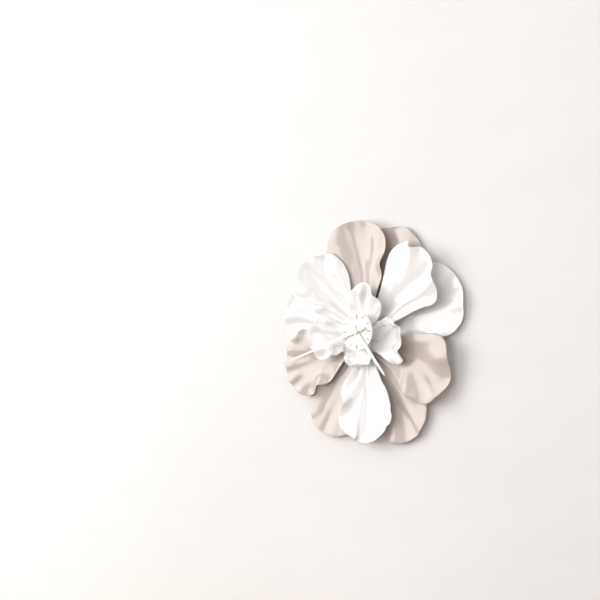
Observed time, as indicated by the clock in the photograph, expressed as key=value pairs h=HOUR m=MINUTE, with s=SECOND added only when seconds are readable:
h=4 m=42
